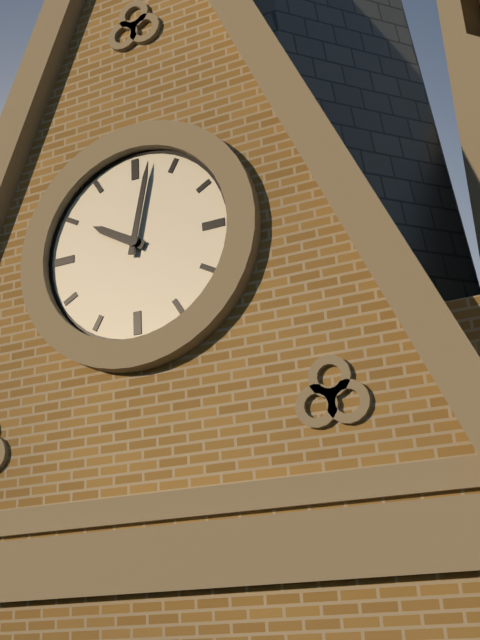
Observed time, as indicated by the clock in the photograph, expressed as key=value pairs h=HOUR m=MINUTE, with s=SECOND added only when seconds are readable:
h=10 m=2
